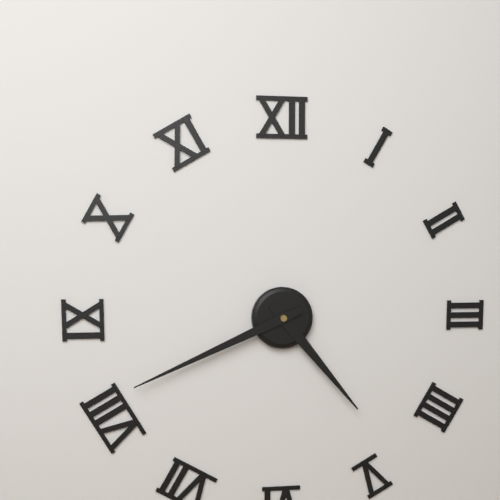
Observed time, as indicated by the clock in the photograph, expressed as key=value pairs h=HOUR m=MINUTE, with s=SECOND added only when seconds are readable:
h=4 m=41
